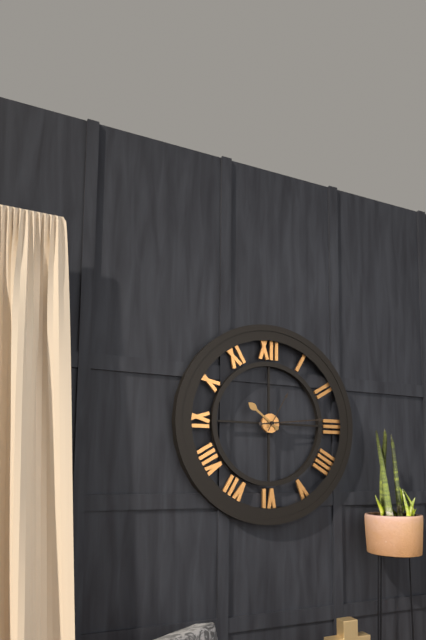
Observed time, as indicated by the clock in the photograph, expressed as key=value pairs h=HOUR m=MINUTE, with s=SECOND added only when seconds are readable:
h=10 m=14
